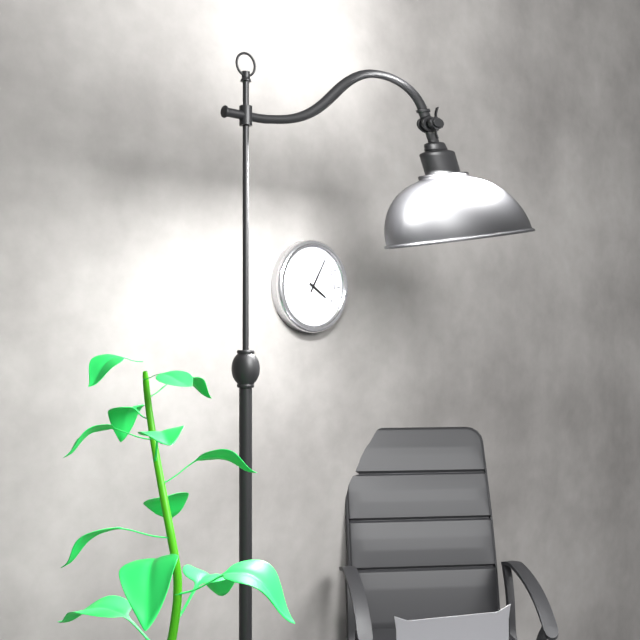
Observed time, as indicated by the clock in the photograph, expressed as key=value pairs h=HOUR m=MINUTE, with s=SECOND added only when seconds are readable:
h=4 m=5
